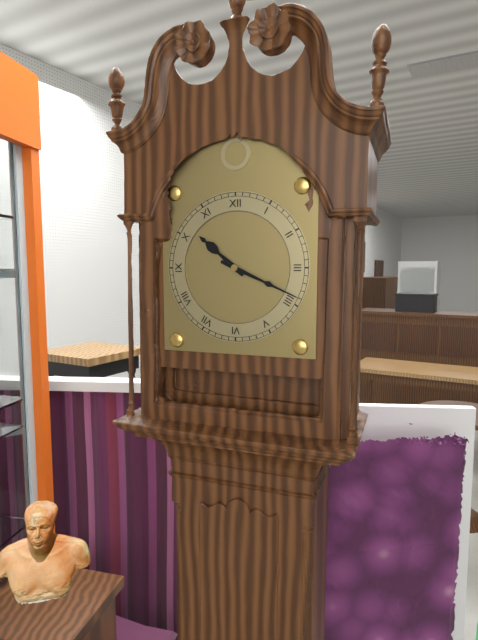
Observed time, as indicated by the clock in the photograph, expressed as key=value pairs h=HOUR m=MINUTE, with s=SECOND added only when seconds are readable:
h=10 m=19
